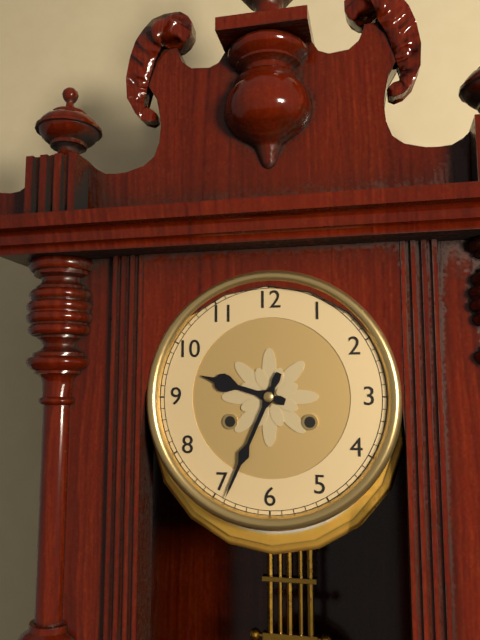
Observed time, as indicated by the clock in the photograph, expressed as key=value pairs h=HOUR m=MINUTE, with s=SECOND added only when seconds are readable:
h=9 m=34
